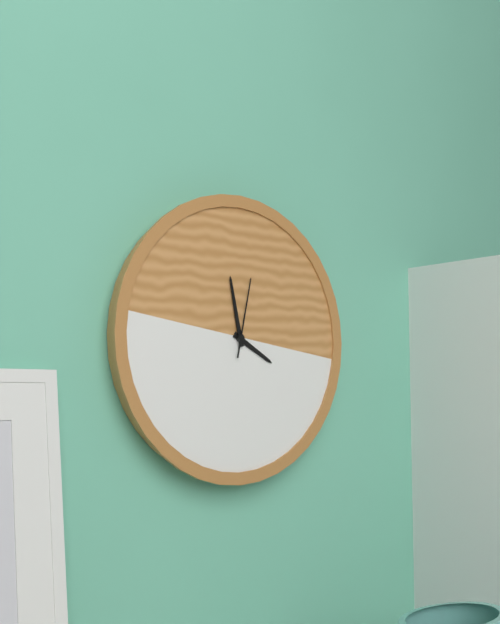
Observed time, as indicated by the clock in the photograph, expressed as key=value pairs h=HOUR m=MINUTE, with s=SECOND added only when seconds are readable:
h=3 m=58 s=2
